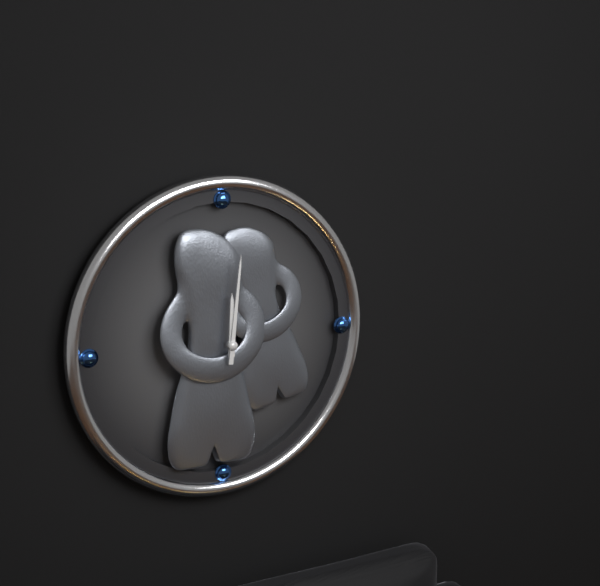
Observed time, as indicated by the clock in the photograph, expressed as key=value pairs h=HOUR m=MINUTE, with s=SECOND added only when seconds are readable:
h=12 m=1
